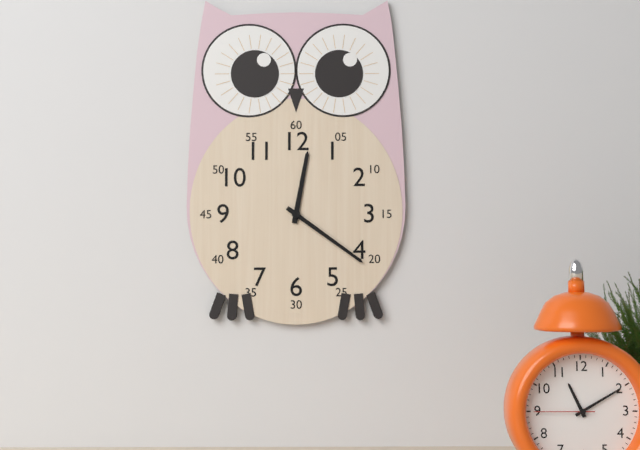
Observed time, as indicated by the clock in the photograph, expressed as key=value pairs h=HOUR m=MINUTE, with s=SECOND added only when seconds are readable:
h=12 m=21
